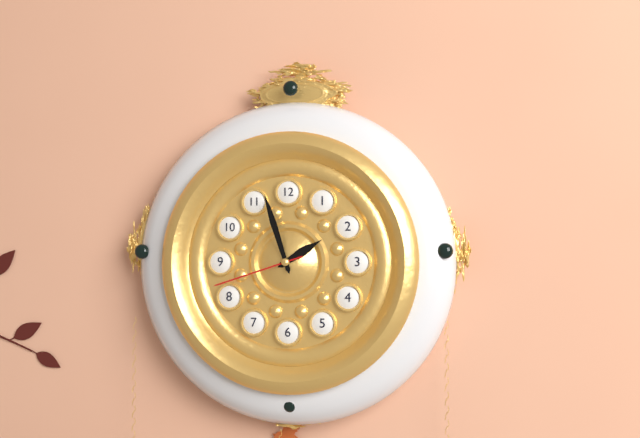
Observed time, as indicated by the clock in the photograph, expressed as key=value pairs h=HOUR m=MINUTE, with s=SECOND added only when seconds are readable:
h=1 m=57 s=42
